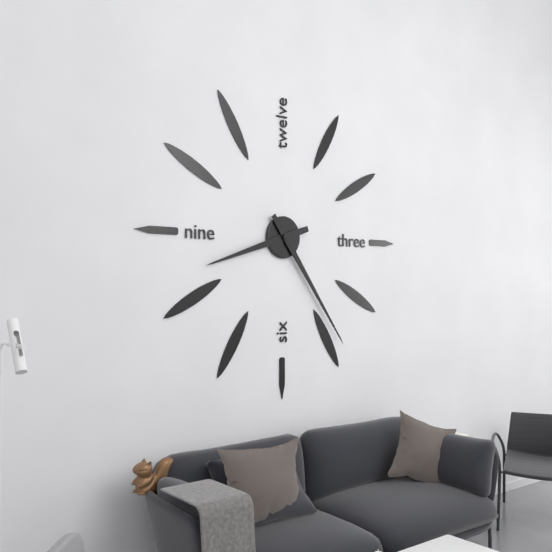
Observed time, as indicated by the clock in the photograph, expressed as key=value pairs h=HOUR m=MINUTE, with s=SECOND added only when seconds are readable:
h=8 m=24
